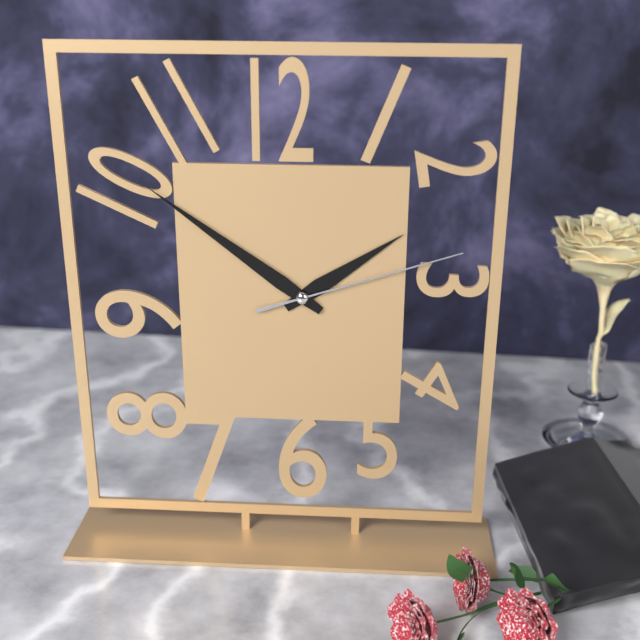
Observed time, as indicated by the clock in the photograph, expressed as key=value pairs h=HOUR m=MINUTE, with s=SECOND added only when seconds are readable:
h=1 m=51 s=12
